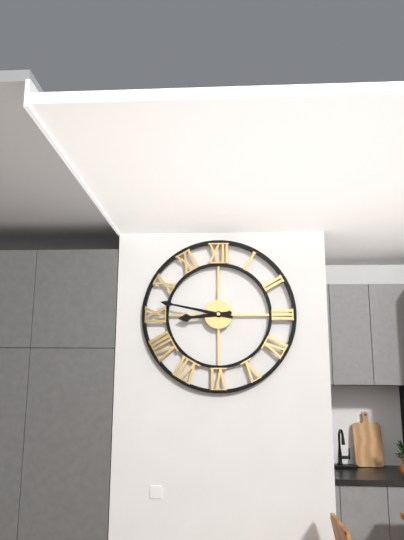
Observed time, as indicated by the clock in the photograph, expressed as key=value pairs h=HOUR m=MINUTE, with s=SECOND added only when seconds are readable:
h=8 m=47
